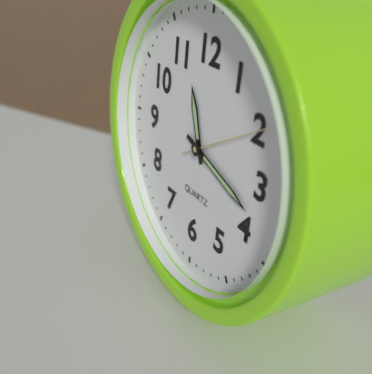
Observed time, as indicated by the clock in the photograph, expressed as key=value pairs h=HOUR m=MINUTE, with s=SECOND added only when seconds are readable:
h=11 m=18 s=10
